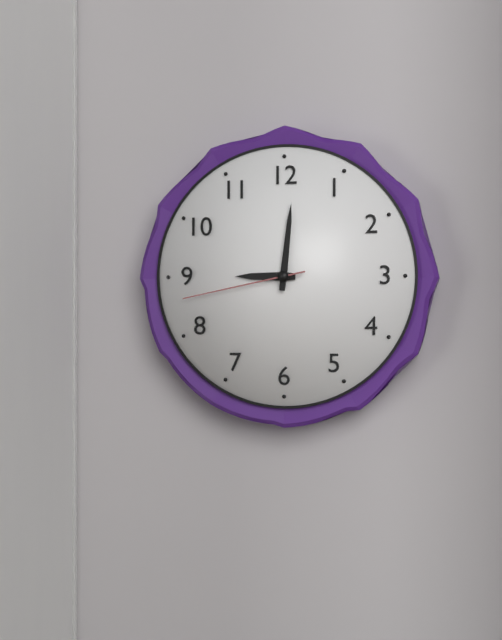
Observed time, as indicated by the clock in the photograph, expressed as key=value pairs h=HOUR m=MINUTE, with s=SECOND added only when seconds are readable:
h=9 m=1 s=43
